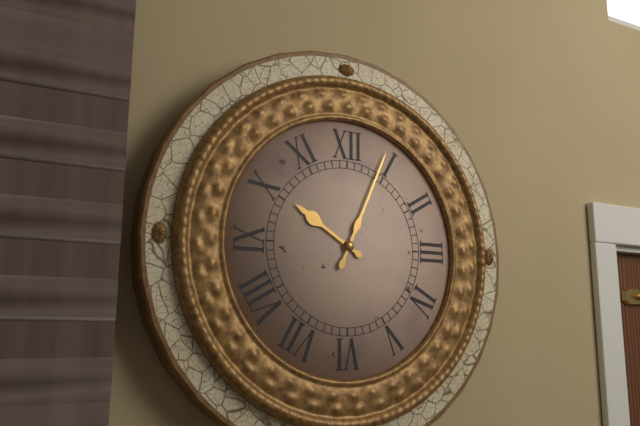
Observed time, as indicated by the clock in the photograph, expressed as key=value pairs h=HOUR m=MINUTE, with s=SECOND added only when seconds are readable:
h=10 m=4
